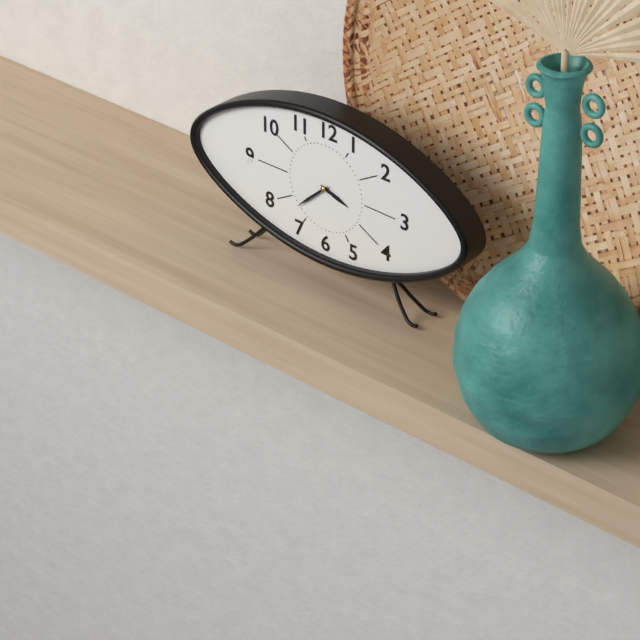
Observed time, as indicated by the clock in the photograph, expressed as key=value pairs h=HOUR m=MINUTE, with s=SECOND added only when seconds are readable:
h=3 m=38
